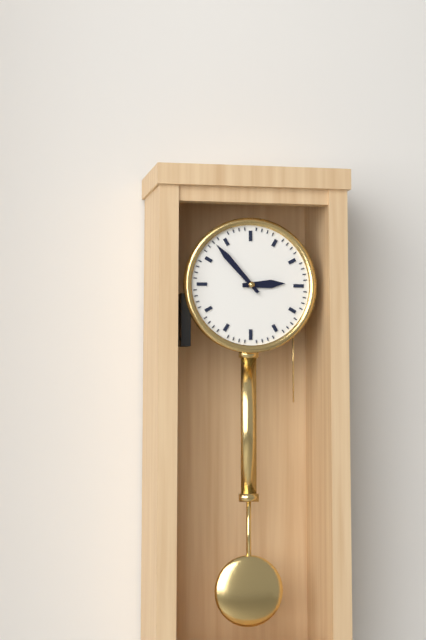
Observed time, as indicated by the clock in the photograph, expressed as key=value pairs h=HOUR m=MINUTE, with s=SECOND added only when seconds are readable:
h=2 m=53
